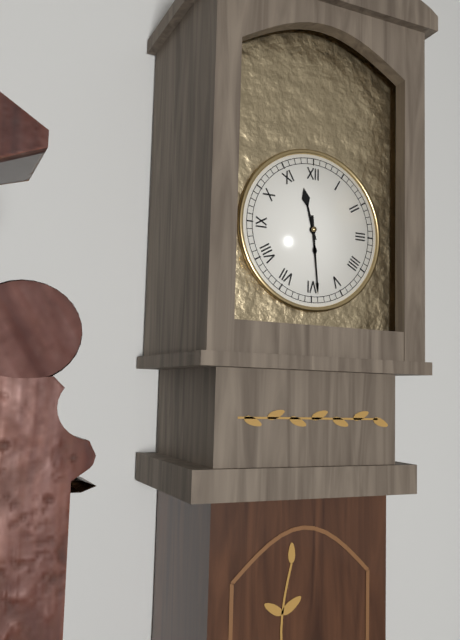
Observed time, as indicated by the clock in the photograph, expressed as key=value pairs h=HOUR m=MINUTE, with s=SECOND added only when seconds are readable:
h=11 m=29
